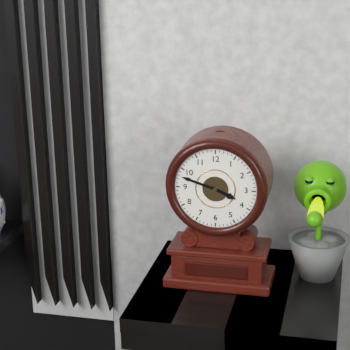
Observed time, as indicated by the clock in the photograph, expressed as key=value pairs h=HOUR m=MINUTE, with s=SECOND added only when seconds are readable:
h=3 m=48
